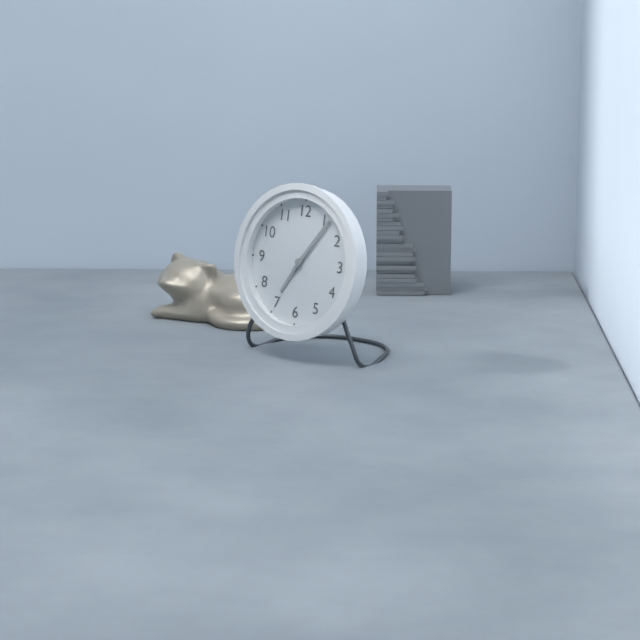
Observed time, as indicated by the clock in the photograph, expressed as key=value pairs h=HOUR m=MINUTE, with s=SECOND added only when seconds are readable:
h=7 m=6
